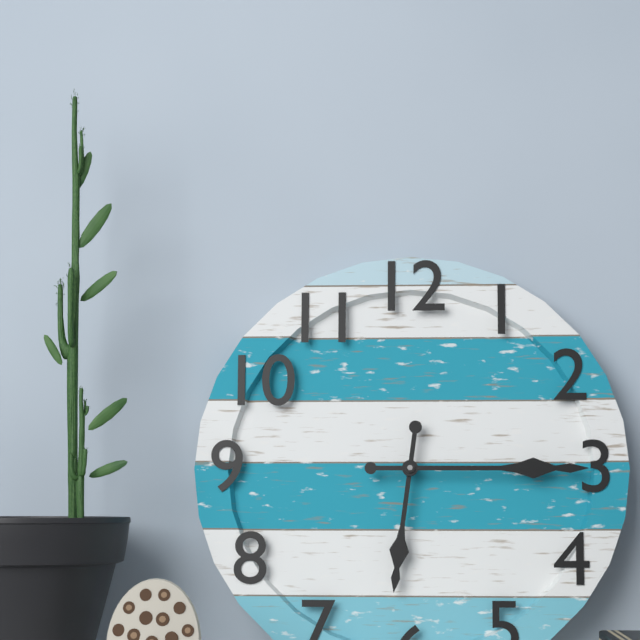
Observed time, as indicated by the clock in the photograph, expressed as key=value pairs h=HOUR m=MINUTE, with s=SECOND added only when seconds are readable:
h=6 m=15
